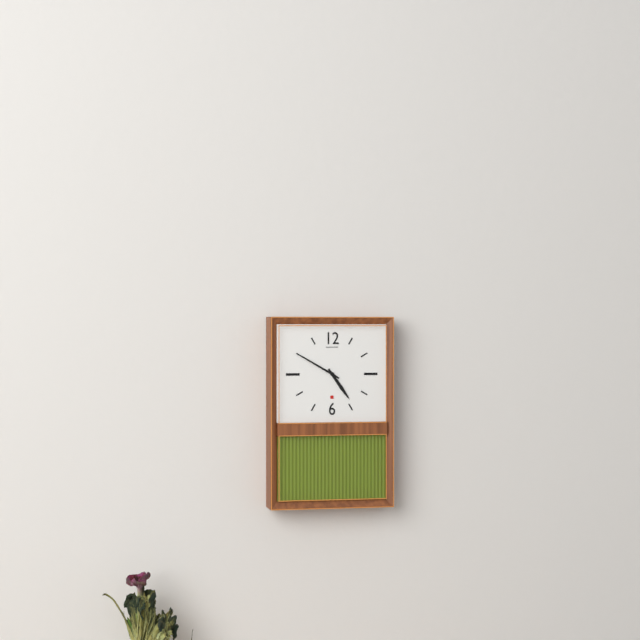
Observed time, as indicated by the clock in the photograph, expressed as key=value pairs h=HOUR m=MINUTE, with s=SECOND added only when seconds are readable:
h=4 m=50
